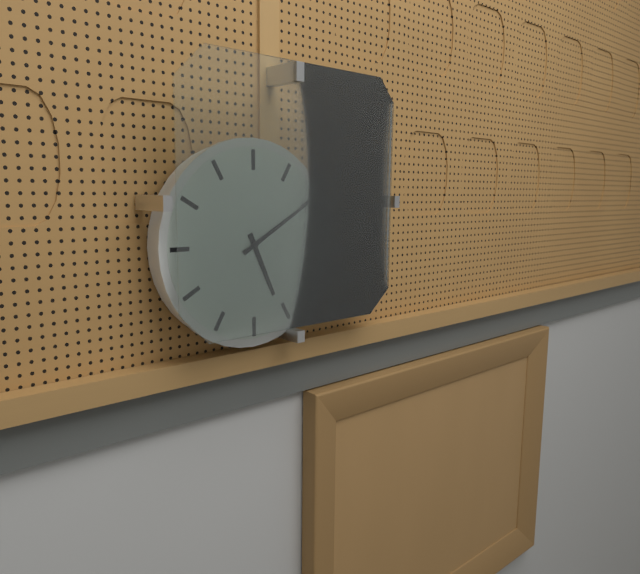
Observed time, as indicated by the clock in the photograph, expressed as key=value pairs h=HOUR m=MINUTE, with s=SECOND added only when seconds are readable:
h=5 m=10
